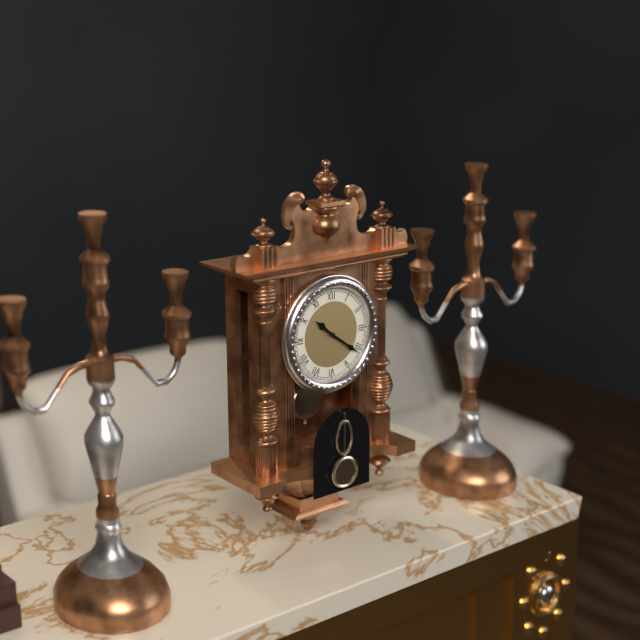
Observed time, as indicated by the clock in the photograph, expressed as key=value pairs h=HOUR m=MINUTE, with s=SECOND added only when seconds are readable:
h=10 m=21
